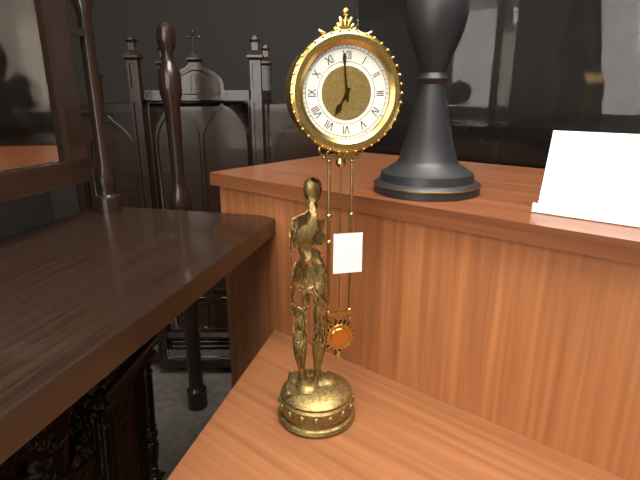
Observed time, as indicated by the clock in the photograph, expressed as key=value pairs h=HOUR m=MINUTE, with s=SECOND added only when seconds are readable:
h=6 m=59
